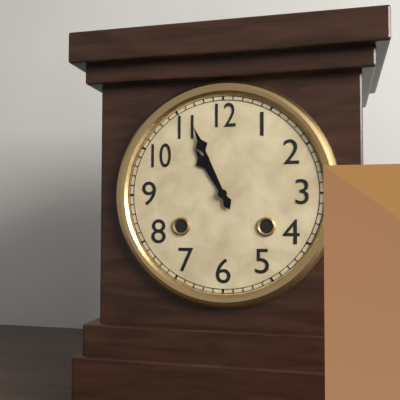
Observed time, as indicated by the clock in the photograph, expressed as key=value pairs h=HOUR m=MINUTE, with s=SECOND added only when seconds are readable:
h=10 m=56
